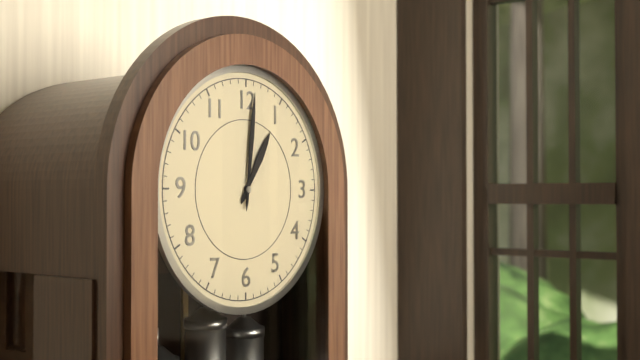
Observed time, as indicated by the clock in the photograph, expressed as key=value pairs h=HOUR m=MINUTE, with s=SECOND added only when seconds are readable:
h=1 m=1
